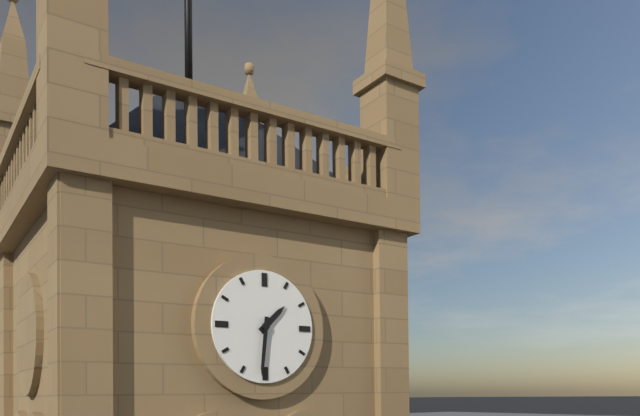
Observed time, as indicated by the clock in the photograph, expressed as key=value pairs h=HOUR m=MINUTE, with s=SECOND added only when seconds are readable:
h=1 m=31
